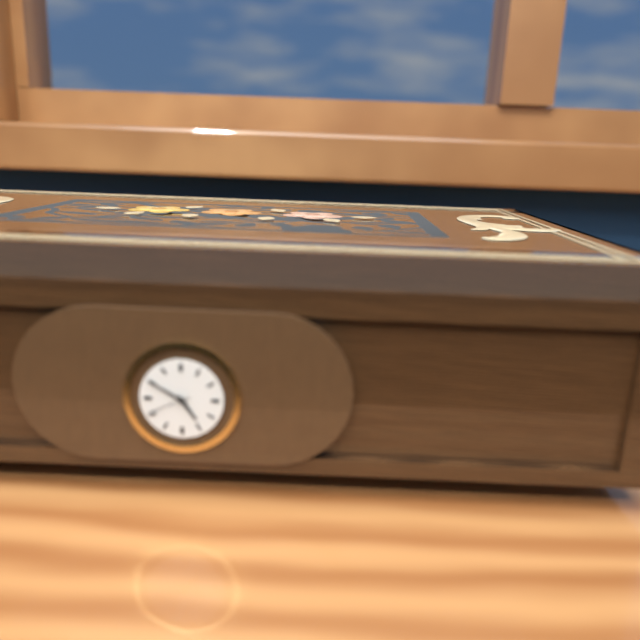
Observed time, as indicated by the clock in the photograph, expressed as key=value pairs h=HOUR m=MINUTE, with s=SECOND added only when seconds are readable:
h=4 m=50 s=41
